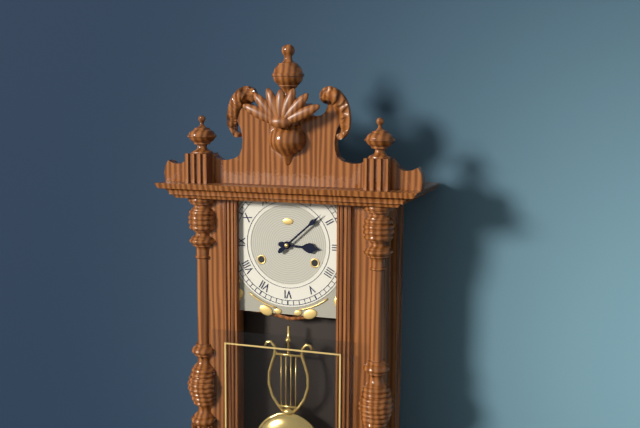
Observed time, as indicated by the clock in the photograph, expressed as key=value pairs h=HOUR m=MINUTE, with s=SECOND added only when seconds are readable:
h=3 m=8
